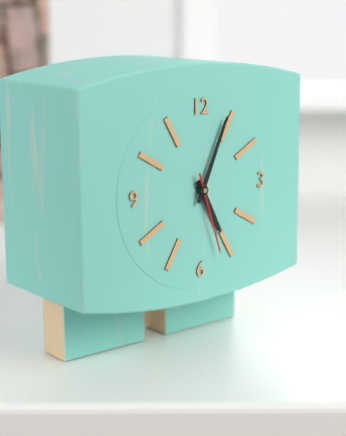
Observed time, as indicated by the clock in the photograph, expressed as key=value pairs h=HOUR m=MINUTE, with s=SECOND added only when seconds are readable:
h=5 m=4 s=27
